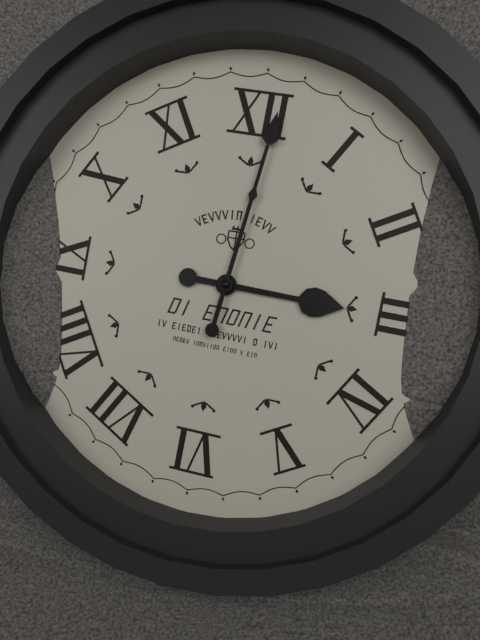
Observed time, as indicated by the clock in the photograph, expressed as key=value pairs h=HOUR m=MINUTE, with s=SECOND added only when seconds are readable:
h=3 m=1
